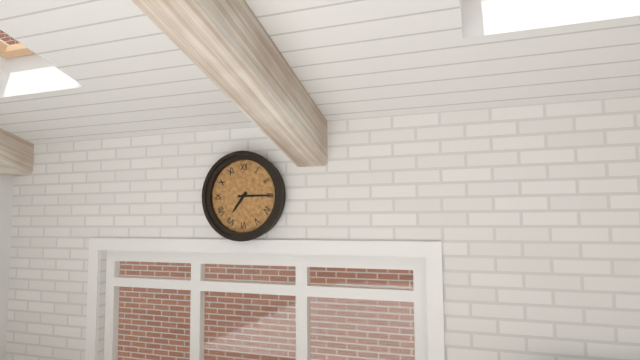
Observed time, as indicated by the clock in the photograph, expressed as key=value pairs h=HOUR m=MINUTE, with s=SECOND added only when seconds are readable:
h=7 m=15
